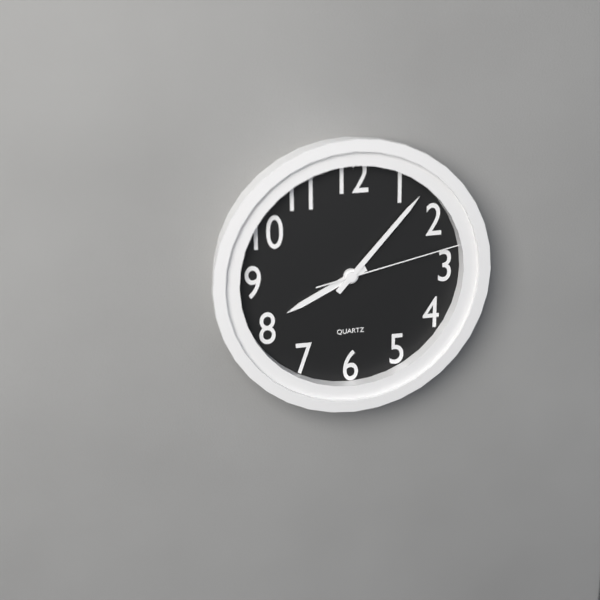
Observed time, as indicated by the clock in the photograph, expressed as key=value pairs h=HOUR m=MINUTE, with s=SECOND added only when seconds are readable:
h=8 m=7 s=13
